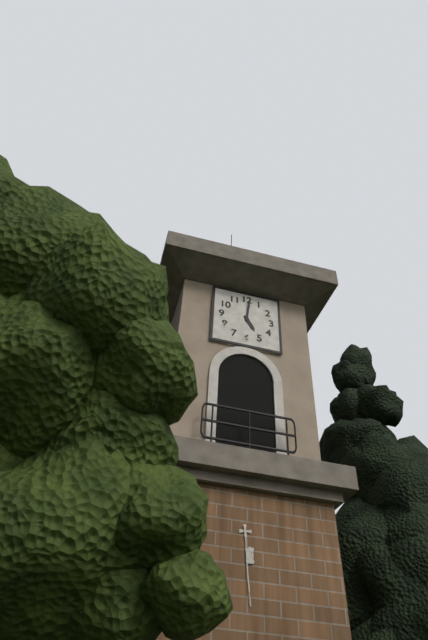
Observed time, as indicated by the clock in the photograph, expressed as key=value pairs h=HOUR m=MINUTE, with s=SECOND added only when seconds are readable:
h=5 m=1
